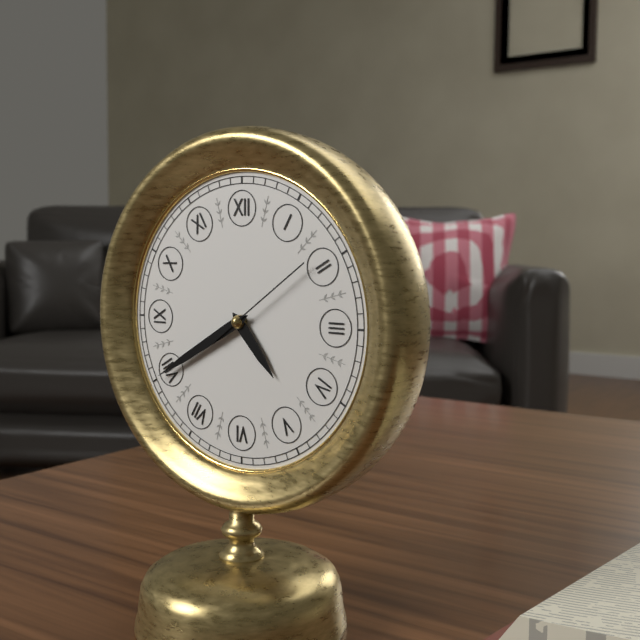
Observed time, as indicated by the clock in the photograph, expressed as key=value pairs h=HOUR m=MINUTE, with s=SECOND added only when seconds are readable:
h=4 m=40 s=9
